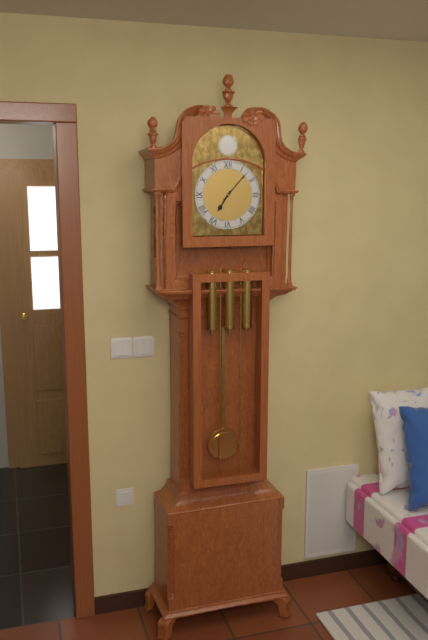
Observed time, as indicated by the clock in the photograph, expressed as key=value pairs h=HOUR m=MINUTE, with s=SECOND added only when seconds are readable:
h=7 m=7
